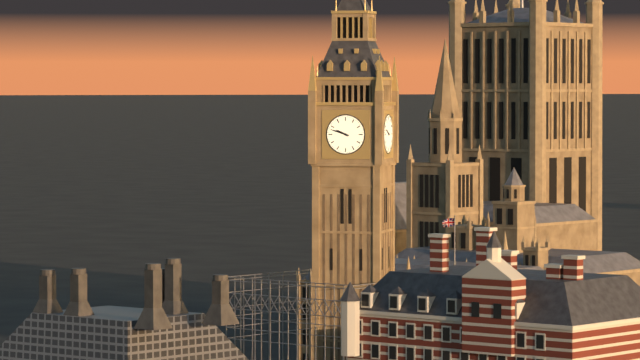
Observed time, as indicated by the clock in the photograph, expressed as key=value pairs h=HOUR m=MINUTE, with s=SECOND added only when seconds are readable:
h=9 m=48
